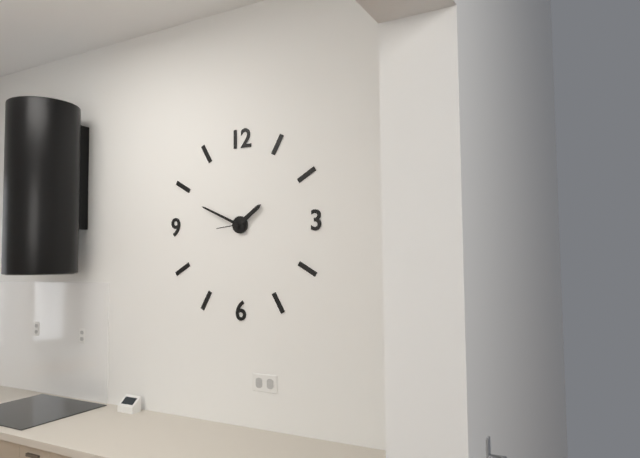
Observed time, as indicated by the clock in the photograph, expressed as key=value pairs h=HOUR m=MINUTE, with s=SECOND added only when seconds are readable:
h=1 m=49
